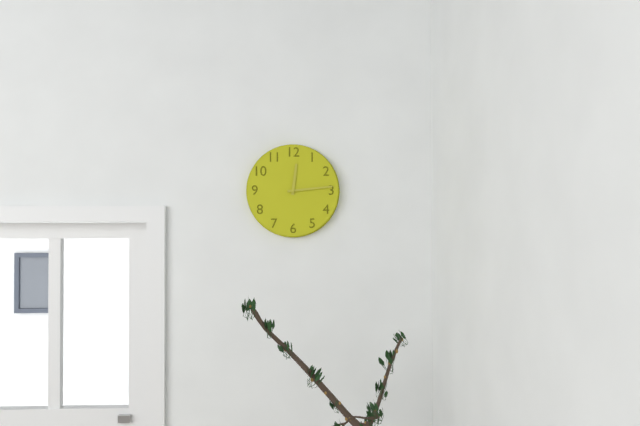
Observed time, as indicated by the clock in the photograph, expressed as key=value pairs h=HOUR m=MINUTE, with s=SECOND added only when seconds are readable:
h=12 m=14
